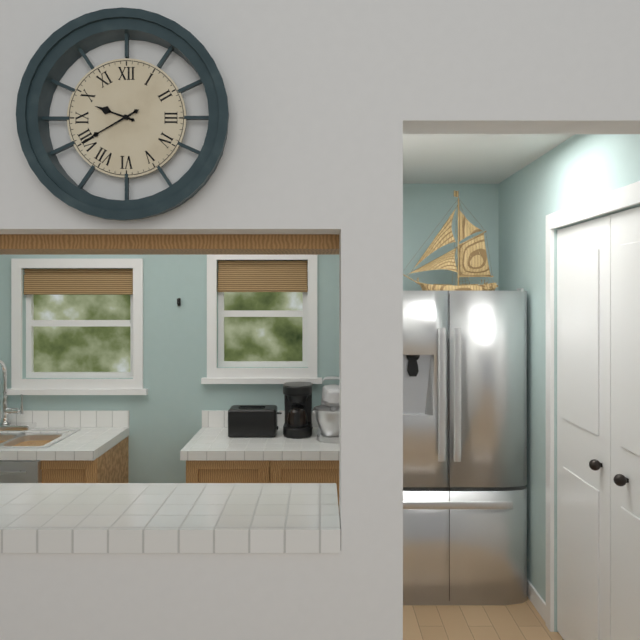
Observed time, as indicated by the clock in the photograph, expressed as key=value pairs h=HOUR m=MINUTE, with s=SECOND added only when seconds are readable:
h=9 m=40
